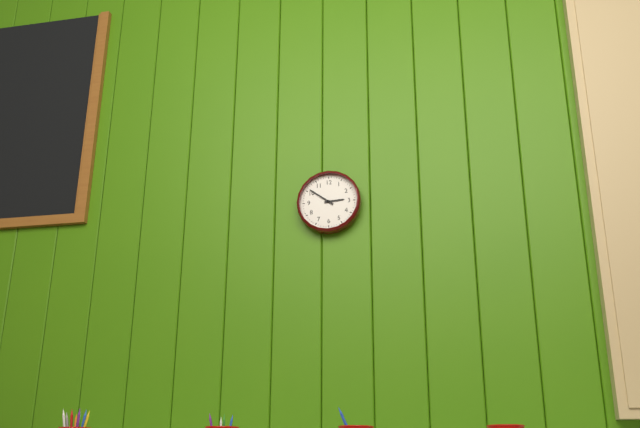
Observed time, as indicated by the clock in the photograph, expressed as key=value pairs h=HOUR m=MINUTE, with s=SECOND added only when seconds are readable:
h=2 m=51
